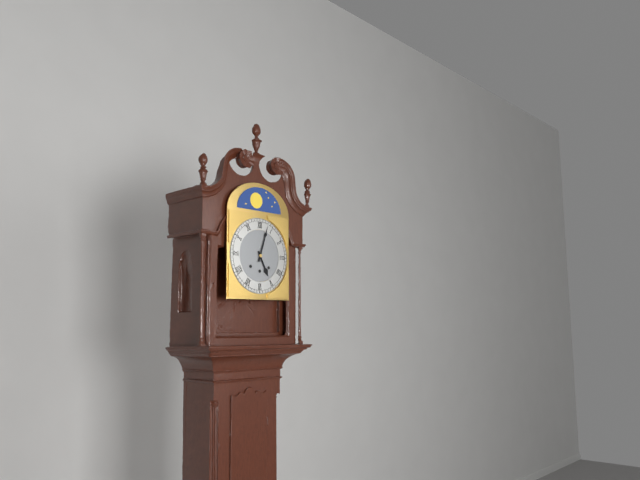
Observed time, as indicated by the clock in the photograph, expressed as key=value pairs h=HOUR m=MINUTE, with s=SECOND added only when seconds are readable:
h=5 m=3
